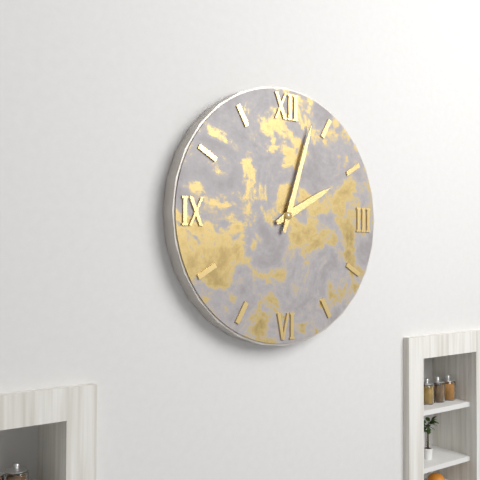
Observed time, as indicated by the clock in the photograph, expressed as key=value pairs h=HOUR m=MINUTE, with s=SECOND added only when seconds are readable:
h=2 m=3
